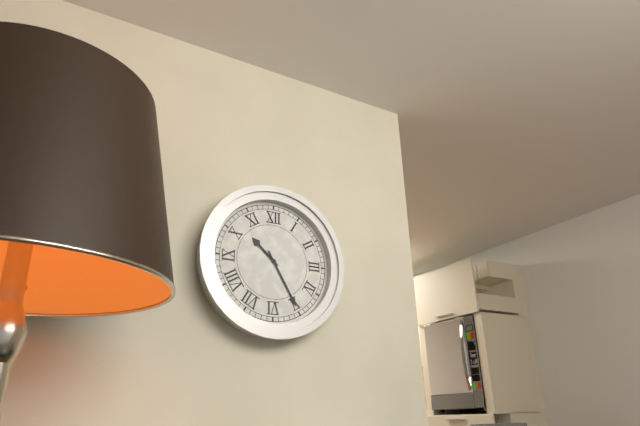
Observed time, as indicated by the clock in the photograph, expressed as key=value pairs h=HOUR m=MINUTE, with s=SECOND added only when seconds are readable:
h=10 m=25
